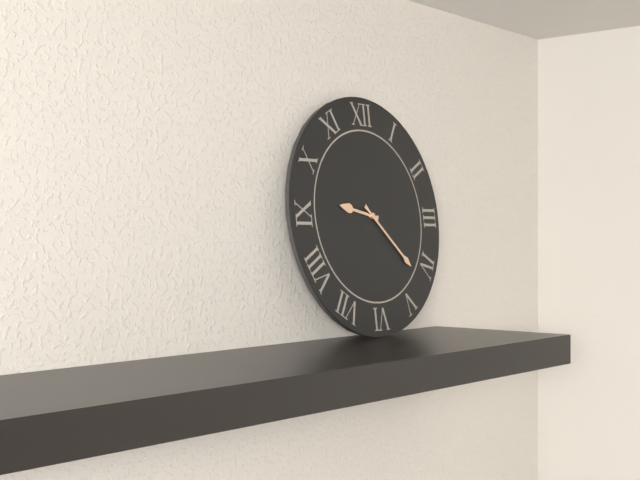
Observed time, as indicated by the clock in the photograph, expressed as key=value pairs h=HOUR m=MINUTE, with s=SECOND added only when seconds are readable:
h=9 m=22
